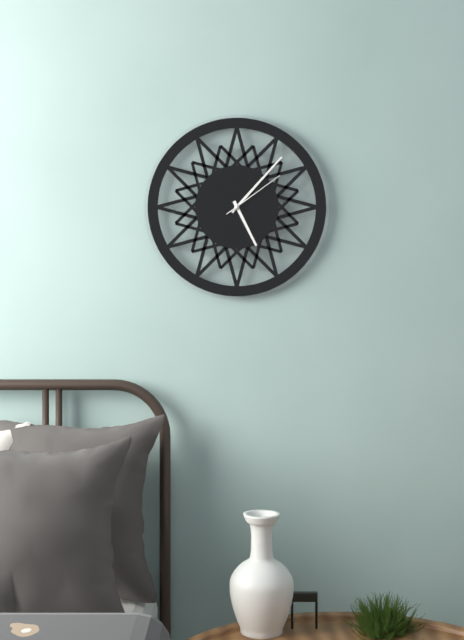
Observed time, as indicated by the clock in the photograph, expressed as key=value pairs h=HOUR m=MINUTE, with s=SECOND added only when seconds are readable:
h=5 m=7 s=9
